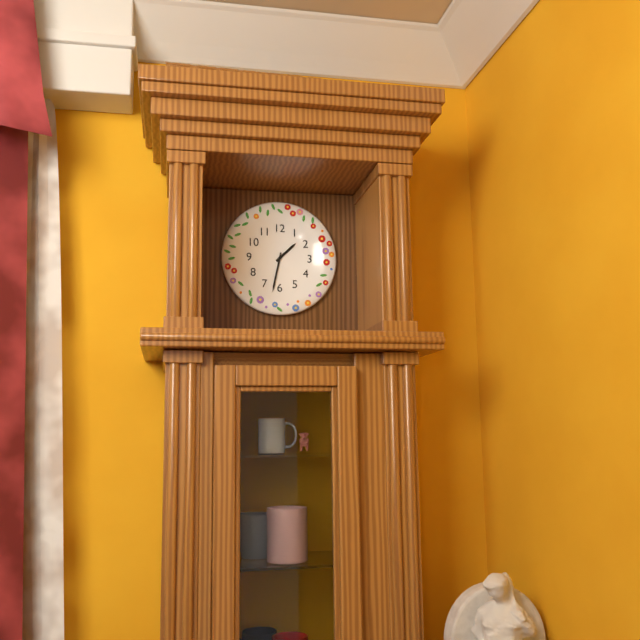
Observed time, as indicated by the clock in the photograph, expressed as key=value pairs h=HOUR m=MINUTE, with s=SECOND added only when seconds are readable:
h=1 m=32
